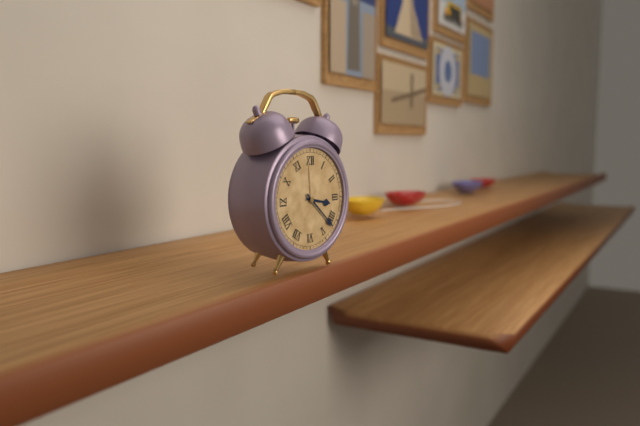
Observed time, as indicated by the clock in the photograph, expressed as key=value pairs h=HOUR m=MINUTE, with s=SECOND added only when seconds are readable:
h=3 m=22
